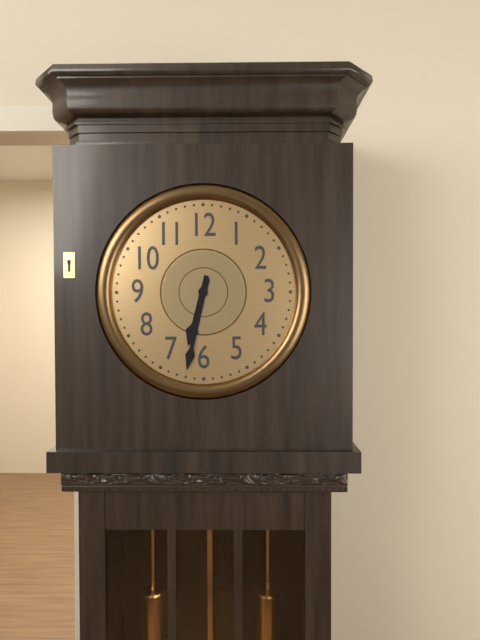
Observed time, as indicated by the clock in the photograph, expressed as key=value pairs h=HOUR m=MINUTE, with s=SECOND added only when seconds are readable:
h=6 m=32
